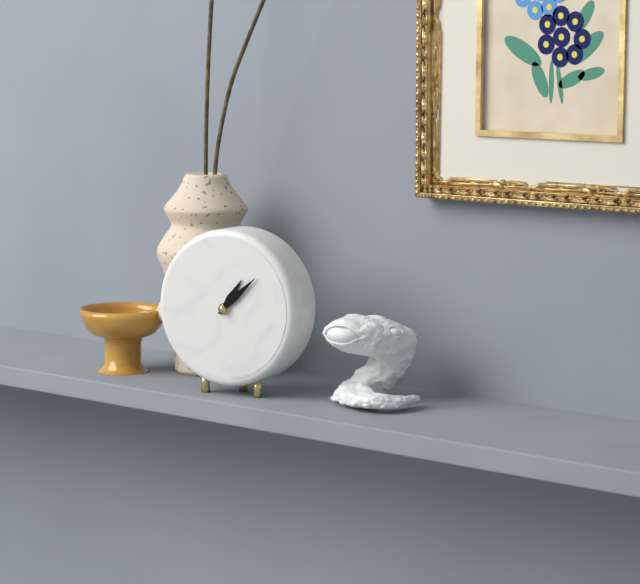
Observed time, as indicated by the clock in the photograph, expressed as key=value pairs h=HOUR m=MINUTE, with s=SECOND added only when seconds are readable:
h=1 m=8
